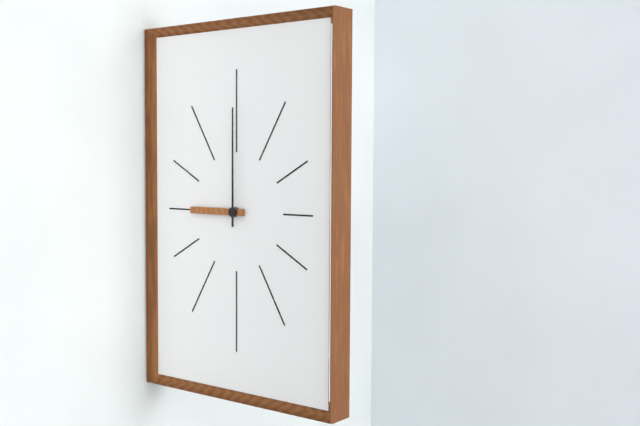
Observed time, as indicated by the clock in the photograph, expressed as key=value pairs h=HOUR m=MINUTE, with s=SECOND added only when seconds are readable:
h=9 m=0
